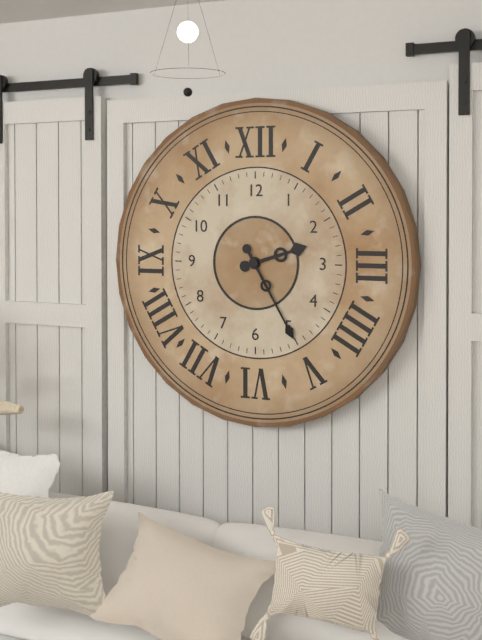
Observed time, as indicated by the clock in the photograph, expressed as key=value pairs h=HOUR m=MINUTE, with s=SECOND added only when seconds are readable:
h=2 m=25
